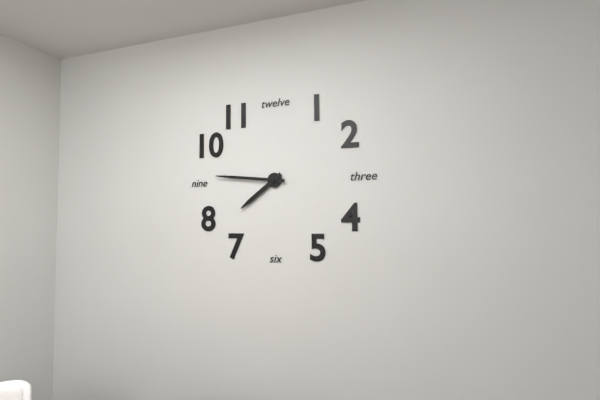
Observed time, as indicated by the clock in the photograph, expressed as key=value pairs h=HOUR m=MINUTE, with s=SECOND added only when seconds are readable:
h=7 m=46
